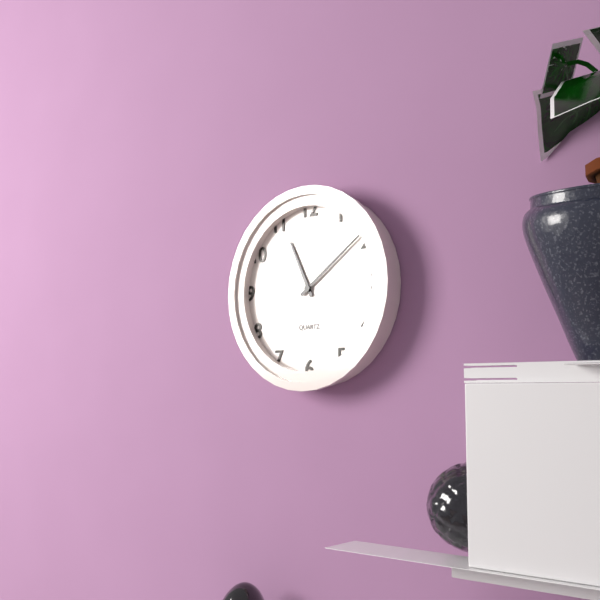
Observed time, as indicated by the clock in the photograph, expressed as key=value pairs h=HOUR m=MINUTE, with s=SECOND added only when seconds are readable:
h=11 m=9
